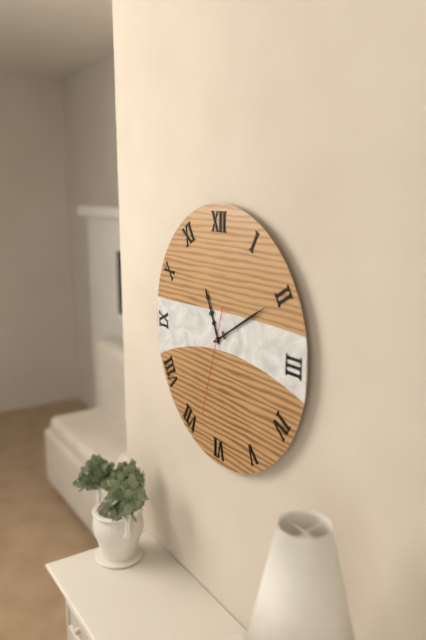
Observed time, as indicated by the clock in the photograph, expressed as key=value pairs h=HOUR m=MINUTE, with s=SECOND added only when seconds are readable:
h=11 m=10 s=33
